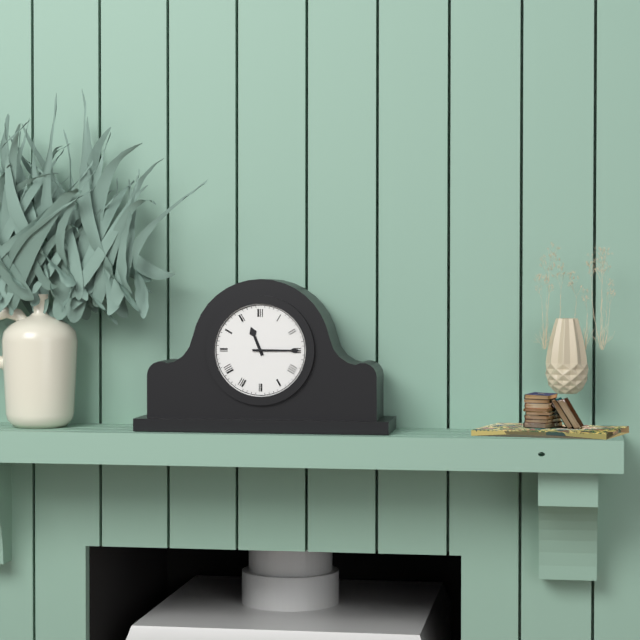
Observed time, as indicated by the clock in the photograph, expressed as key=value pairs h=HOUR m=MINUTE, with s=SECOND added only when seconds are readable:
h=11 m=15
